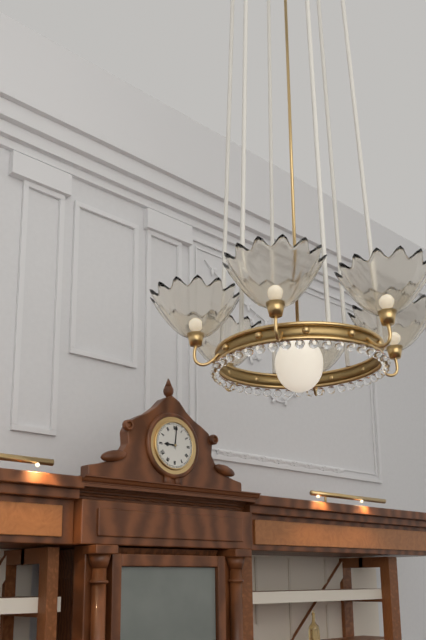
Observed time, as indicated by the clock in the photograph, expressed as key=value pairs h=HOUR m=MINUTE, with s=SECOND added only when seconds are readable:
h=9 m=1
